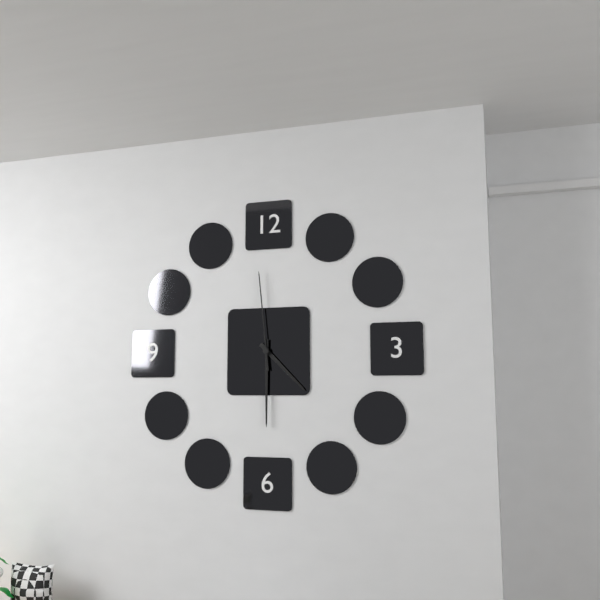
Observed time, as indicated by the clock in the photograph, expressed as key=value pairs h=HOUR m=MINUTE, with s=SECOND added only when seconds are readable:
h=4 m=30 s=59
